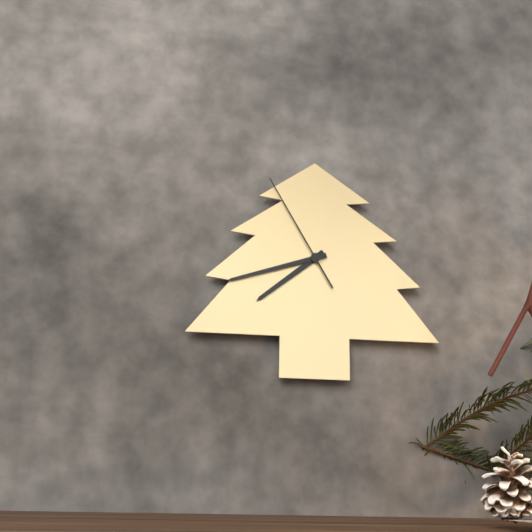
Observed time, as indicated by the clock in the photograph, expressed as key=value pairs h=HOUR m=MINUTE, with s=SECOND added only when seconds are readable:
h=7 m=42 s=55
